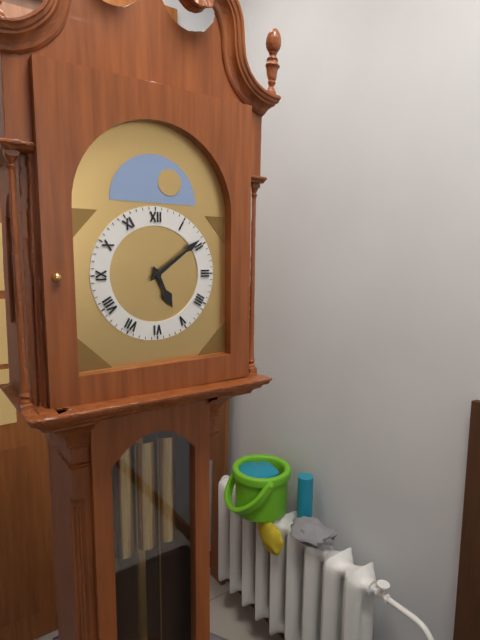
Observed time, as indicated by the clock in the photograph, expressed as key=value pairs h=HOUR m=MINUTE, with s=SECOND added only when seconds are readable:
h=5 m=9
